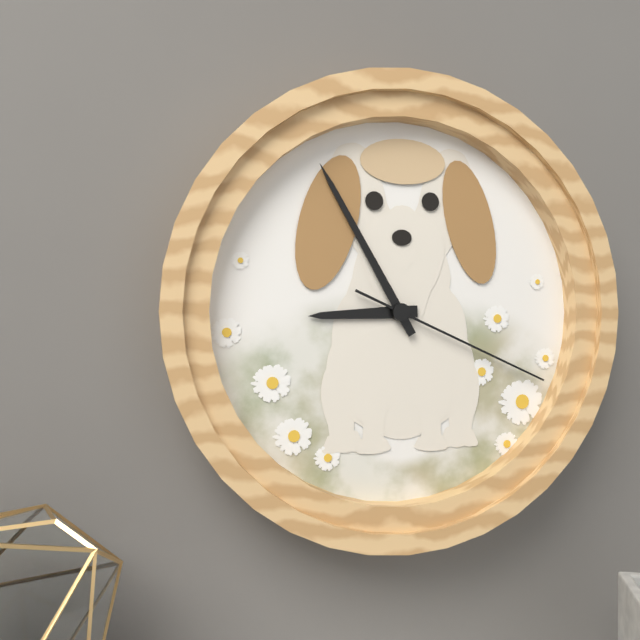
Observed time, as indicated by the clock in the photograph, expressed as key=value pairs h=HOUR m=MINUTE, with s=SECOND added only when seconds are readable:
h=8 m=55 s=19
